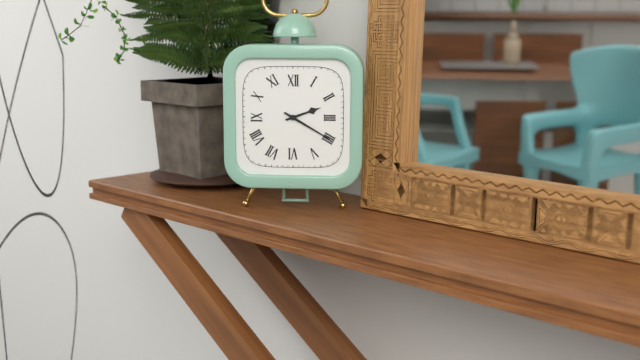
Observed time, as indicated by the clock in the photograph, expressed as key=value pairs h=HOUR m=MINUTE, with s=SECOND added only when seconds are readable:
h=2 m=20
